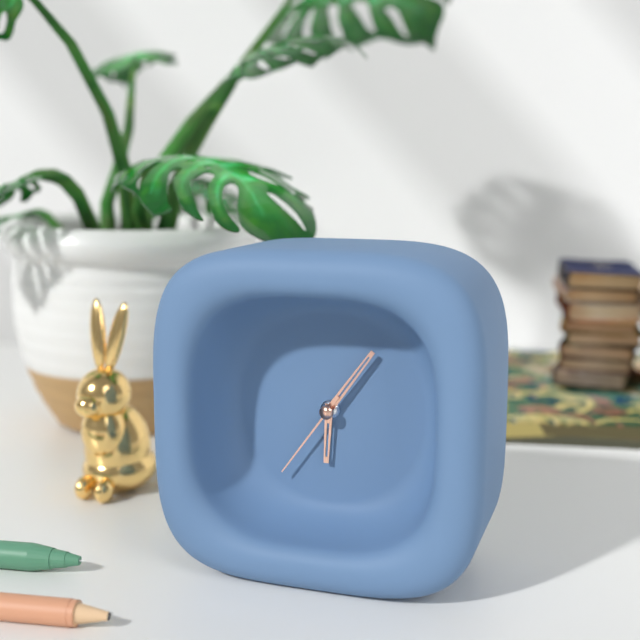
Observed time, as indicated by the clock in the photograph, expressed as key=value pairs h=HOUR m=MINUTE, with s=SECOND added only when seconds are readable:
h=6 m=6 s=36
